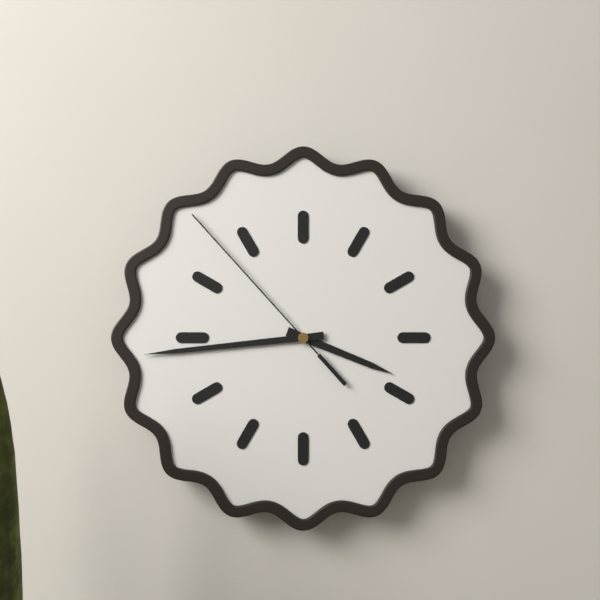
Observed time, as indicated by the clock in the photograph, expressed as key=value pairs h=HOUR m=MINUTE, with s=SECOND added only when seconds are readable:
h=3 m=44 s=53
